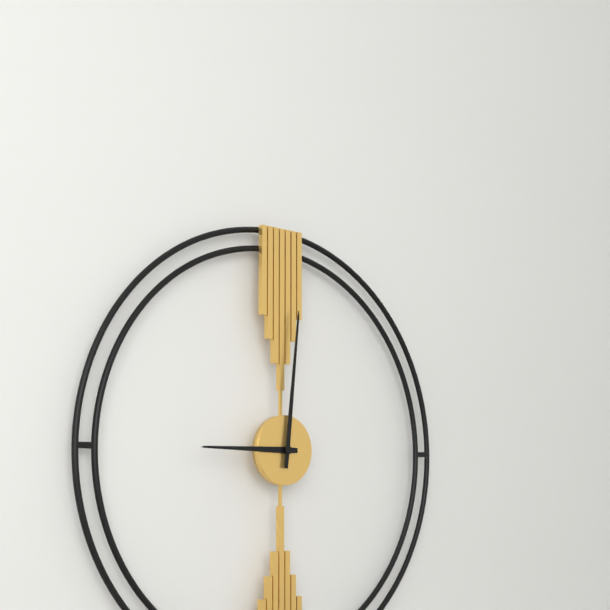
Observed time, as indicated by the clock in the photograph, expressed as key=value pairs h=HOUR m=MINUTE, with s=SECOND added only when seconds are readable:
h=9 m=1
